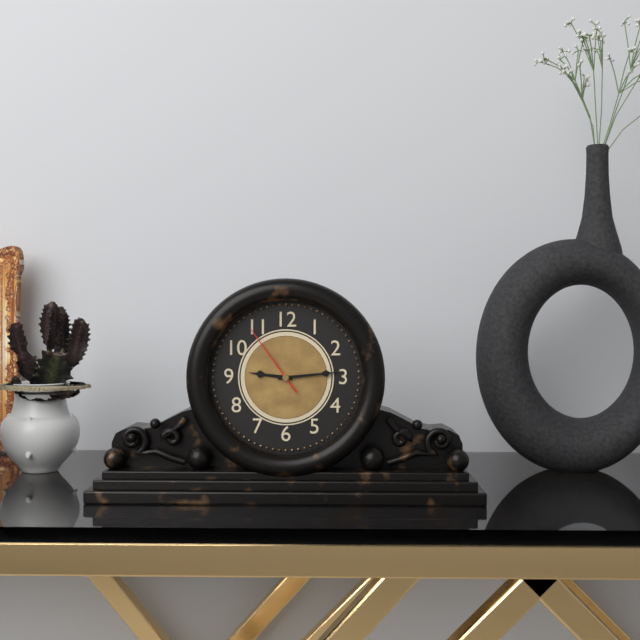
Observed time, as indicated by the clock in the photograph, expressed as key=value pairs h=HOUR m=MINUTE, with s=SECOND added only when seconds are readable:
h=9 m=14 s=54
